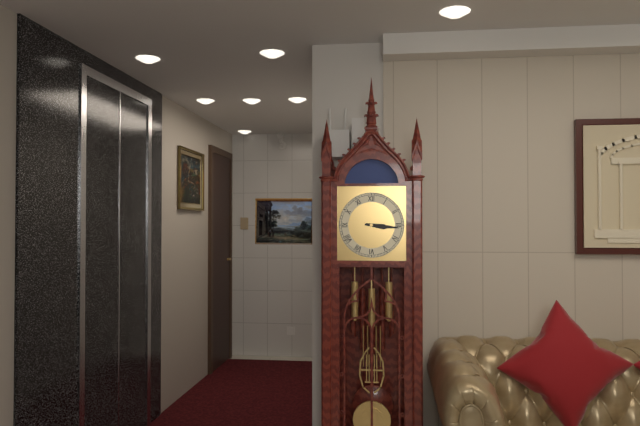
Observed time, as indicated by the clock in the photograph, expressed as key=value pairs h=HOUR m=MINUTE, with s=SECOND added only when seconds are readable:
h=3 m=16
